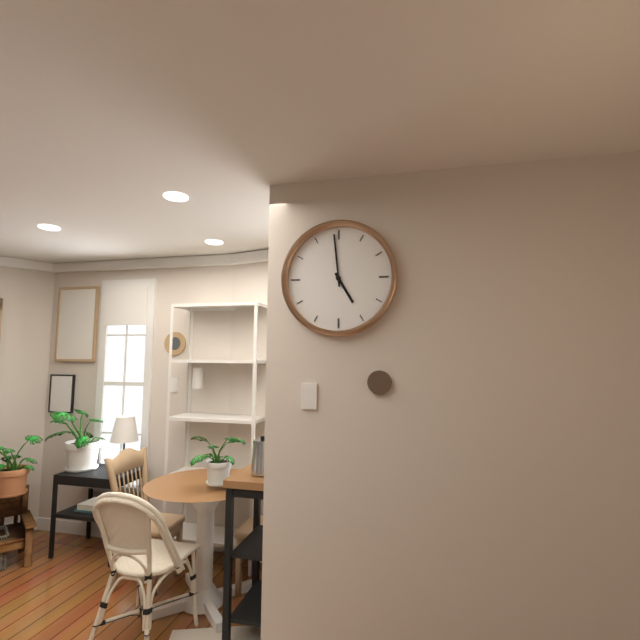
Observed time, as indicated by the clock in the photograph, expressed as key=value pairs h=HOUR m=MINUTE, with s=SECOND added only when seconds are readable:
h=4 m=59
